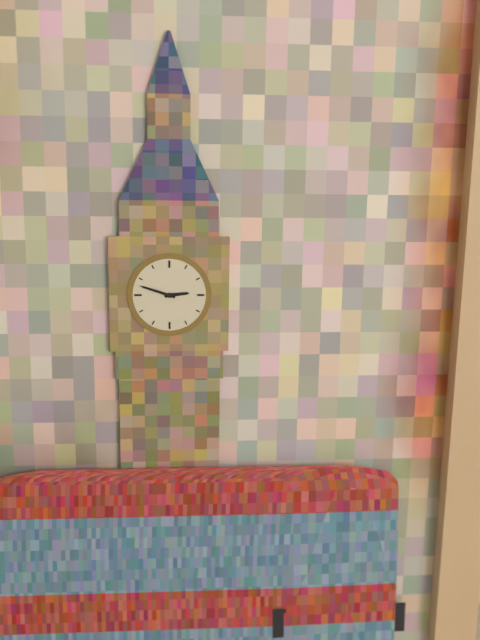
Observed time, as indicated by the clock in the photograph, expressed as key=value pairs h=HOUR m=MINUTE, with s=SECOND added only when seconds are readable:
h=2 m=48
